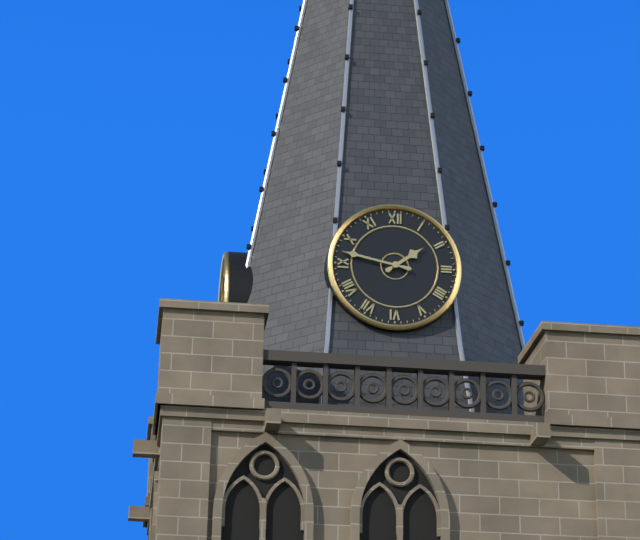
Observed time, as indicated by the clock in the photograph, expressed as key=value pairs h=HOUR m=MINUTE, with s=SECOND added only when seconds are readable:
h=1 m=47
